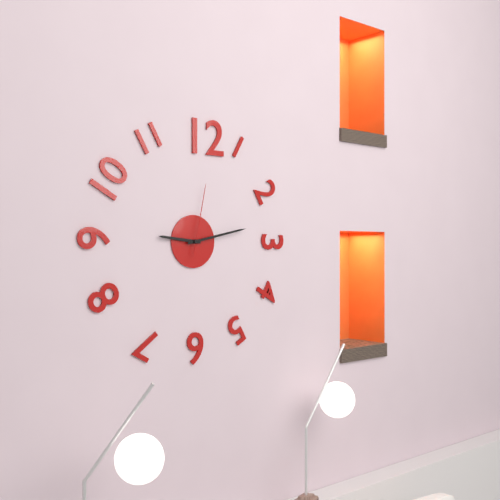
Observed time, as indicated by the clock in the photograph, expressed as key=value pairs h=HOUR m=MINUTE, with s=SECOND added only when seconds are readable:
h=9 m=13 s=2
